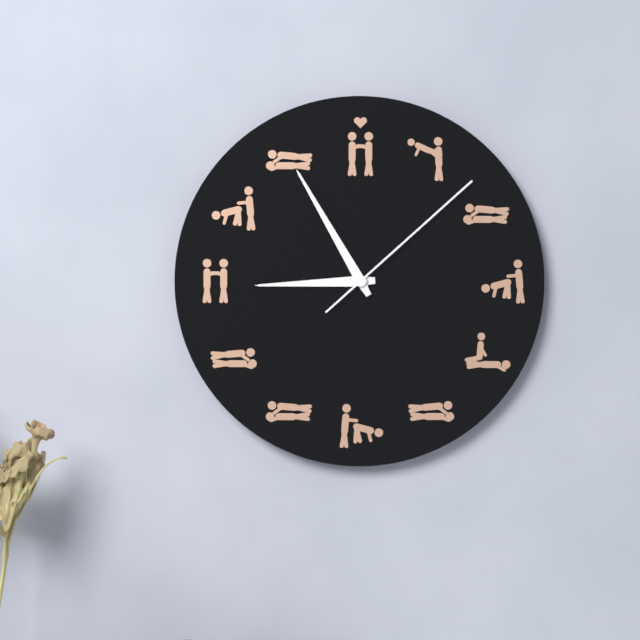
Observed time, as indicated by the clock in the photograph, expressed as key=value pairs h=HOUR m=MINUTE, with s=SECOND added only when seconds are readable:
h=8 m=55 s=8
